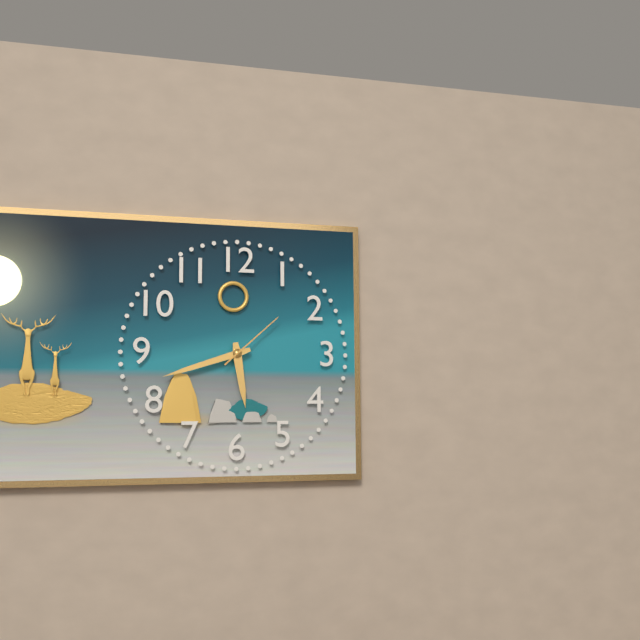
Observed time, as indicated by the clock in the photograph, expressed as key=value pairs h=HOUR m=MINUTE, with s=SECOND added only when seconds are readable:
h=5 m=42 s=8
